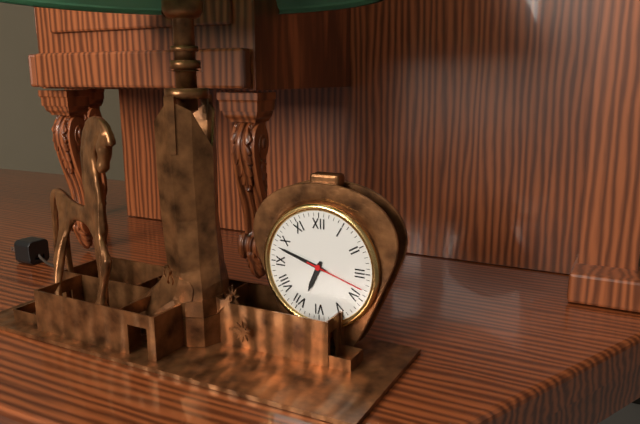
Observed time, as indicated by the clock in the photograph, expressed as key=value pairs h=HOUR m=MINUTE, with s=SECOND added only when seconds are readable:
h=6 m=48 s=18
